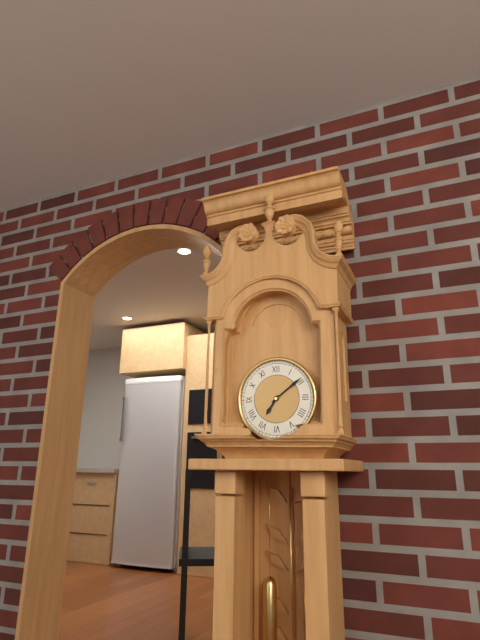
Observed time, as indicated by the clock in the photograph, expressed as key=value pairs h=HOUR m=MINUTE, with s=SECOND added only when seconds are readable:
h=7 m=9
